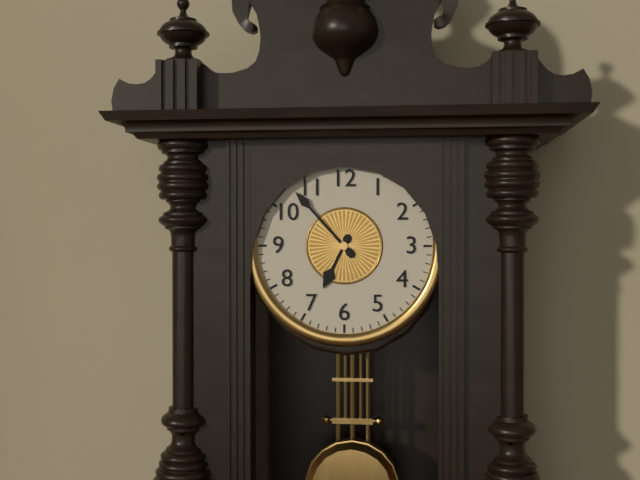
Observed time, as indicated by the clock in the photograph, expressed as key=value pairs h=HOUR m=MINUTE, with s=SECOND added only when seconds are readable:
h=6 m=53
